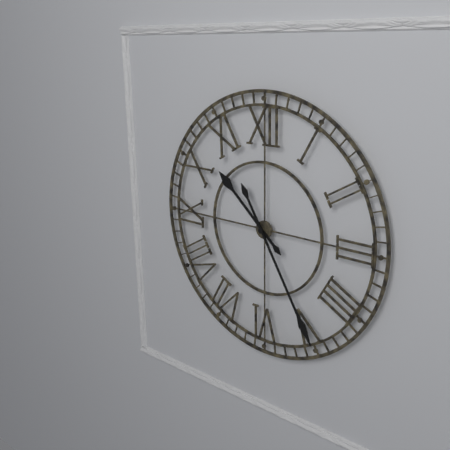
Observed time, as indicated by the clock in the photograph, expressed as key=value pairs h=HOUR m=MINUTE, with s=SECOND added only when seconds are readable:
h=10 m=25
